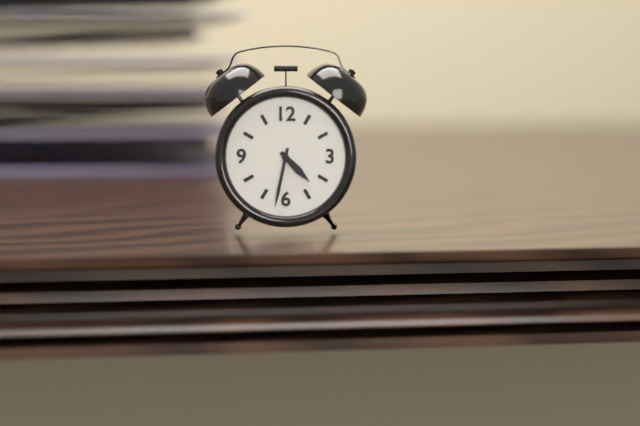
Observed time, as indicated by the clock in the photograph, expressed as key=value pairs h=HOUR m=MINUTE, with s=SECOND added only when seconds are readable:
h=4 m=32
